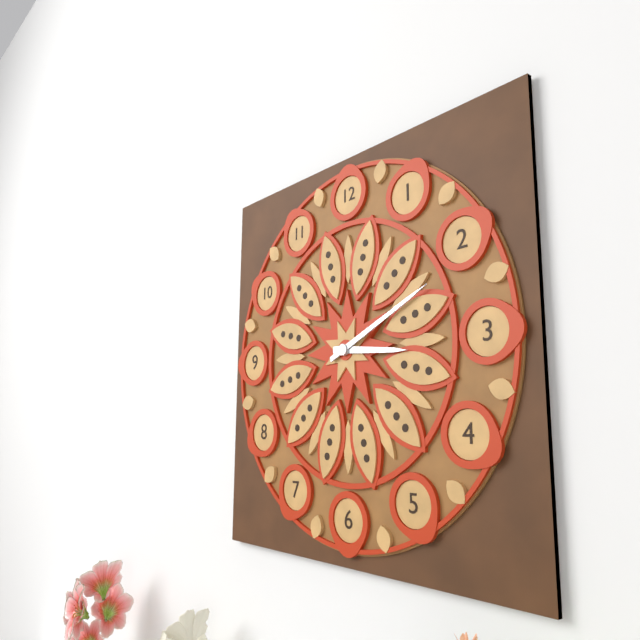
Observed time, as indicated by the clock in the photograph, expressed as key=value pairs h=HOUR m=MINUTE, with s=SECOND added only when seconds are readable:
h=3 m=11
